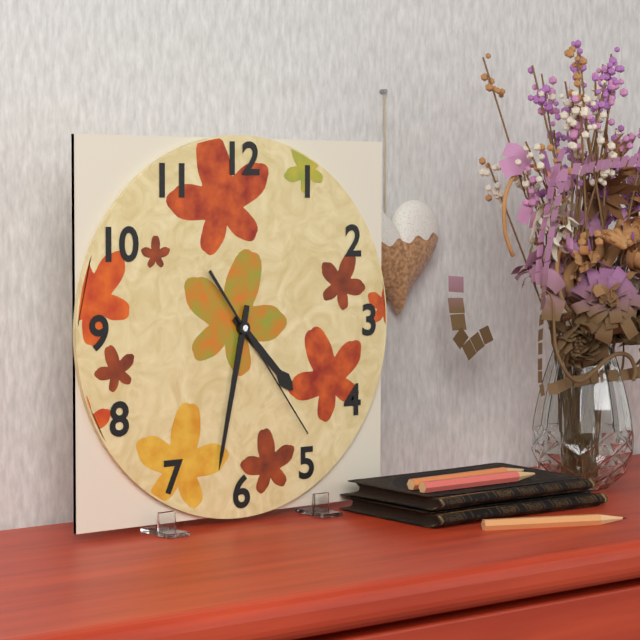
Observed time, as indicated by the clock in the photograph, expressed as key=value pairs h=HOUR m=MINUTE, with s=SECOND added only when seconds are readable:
h=4 m=32 s=24
